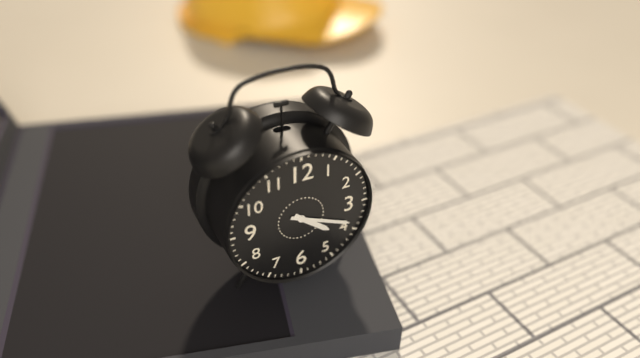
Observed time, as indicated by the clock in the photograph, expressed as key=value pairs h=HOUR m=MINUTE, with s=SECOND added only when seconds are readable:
h=4 m=19
